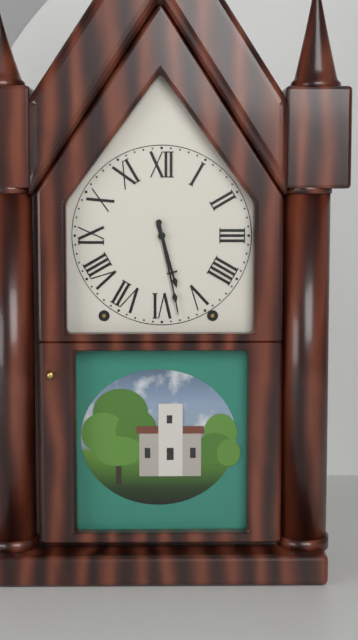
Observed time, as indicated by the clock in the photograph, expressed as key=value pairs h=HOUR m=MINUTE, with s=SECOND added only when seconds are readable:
h=5 m=28
